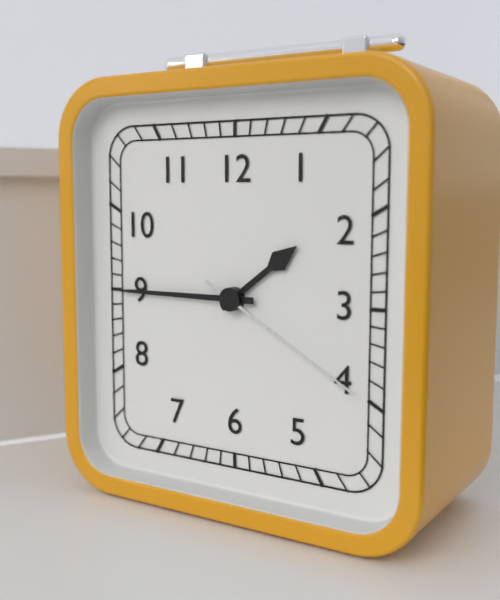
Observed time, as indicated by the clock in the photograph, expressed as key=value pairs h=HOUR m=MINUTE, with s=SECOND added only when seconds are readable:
h=1 m=45 s=20
